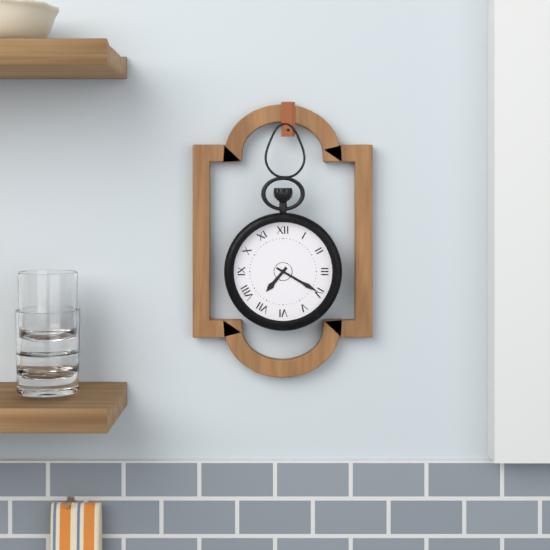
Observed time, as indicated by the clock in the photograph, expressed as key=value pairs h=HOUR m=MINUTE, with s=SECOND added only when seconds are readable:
h=7 m=20
